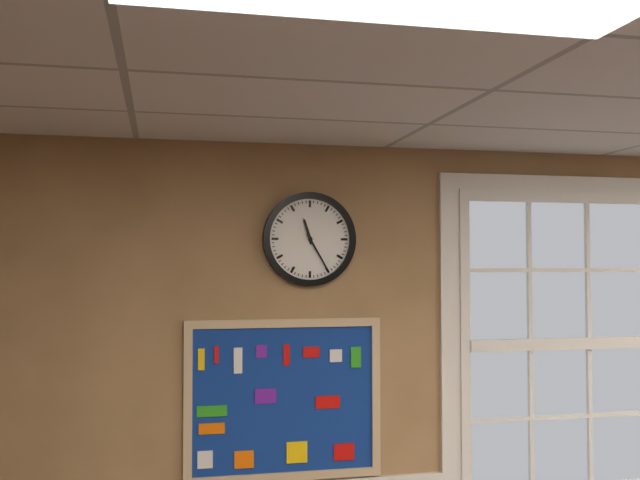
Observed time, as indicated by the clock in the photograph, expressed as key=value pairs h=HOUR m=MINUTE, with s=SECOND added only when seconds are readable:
h=11 m=25
